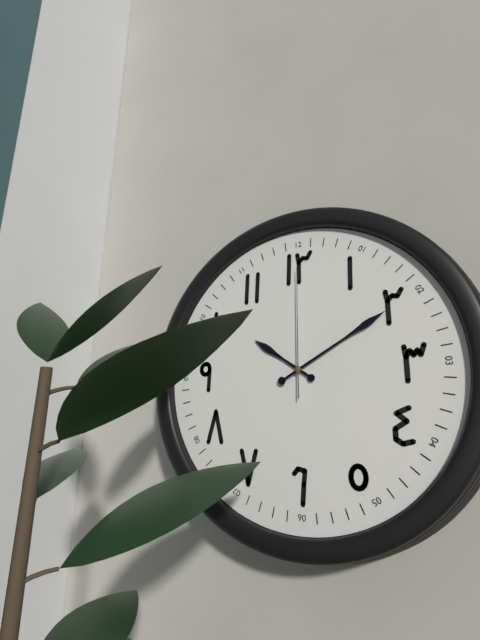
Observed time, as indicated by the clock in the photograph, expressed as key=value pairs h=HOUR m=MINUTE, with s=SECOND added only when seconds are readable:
h=10 m=10 s=0
